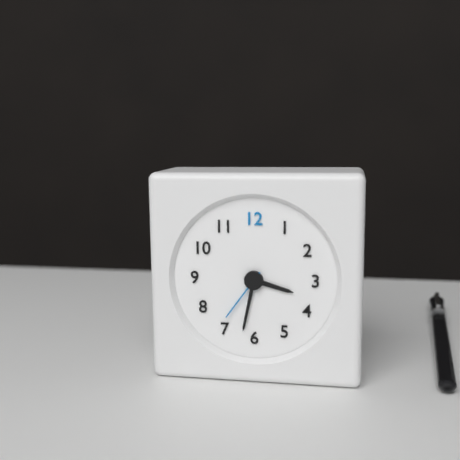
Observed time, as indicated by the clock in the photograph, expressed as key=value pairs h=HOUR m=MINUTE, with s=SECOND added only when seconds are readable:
h=3 m=32 s=36
